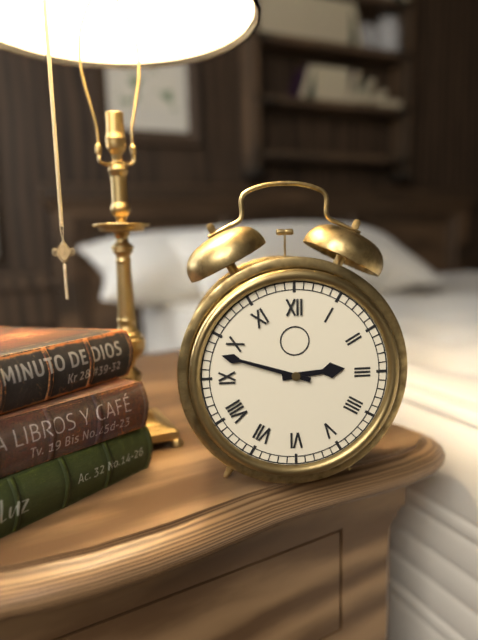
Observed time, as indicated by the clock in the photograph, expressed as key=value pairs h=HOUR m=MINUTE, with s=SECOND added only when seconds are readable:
h=2 m=48
